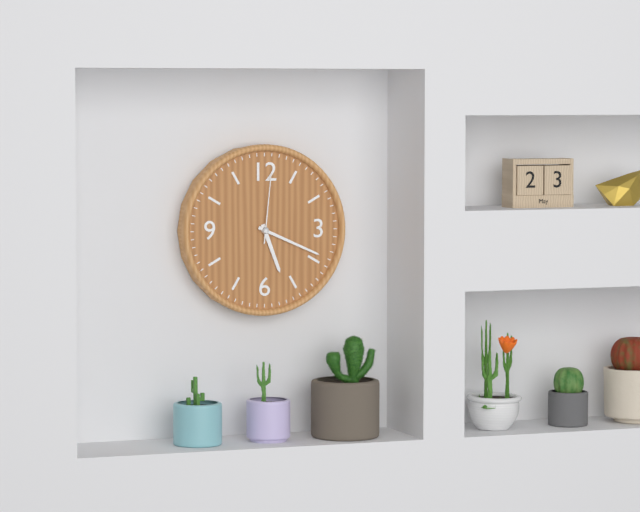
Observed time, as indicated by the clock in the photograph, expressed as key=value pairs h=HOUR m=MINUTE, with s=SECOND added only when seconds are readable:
h=5 m=19 s=1
